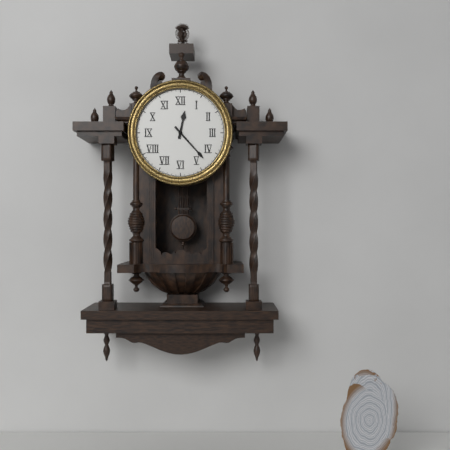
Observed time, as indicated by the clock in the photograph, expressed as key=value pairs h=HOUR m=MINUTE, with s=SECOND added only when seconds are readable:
h=12 m=23
